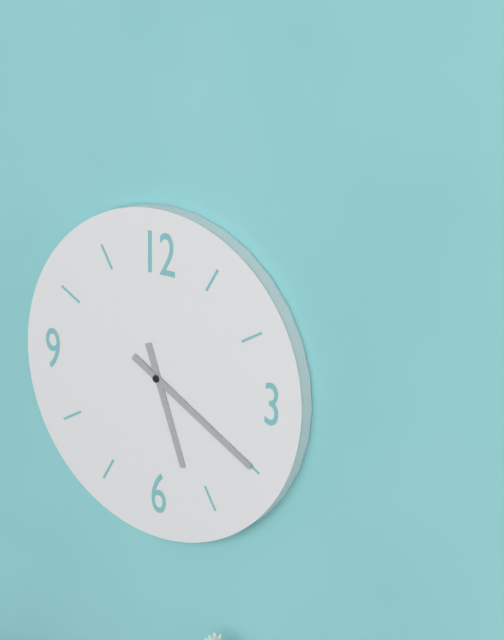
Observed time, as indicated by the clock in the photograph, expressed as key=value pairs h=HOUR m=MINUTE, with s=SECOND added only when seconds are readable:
h=5 m=20
